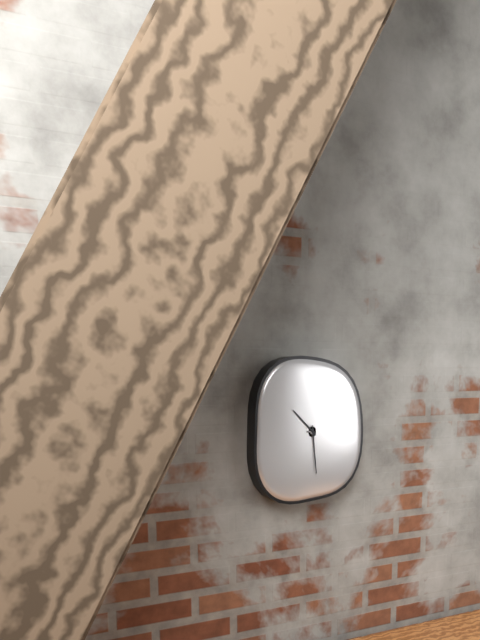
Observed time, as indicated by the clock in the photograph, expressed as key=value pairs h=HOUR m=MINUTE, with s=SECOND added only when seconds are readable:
h=10 m=29
